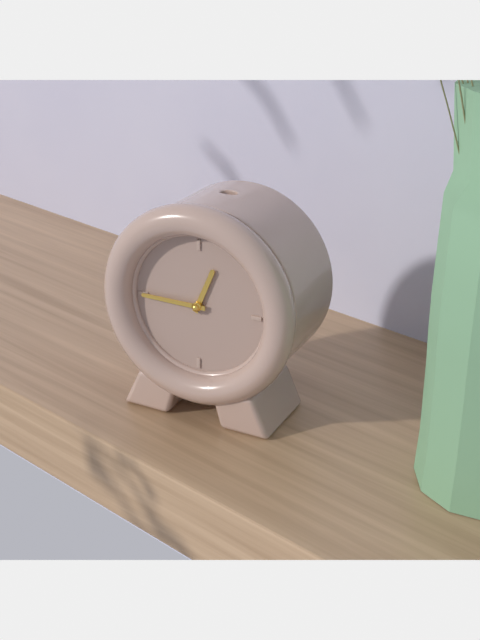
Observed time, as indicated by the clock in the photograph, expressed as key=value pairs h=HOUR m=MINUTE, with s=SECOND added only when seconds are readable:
h=12 m=45
